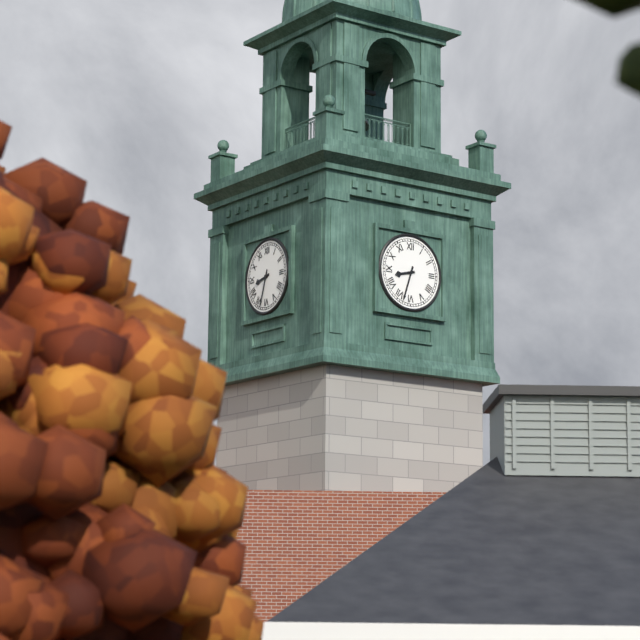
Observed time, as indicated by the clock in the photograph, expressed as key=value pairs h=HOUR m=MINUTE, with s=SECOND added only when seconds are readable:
h=8 m=33
